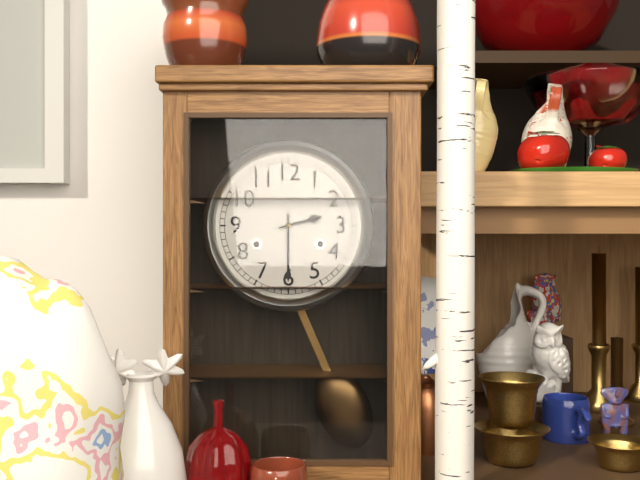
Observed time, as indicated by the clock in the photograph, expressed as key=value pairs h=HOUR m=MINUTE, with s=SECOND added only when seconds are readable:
h=2 m=30
